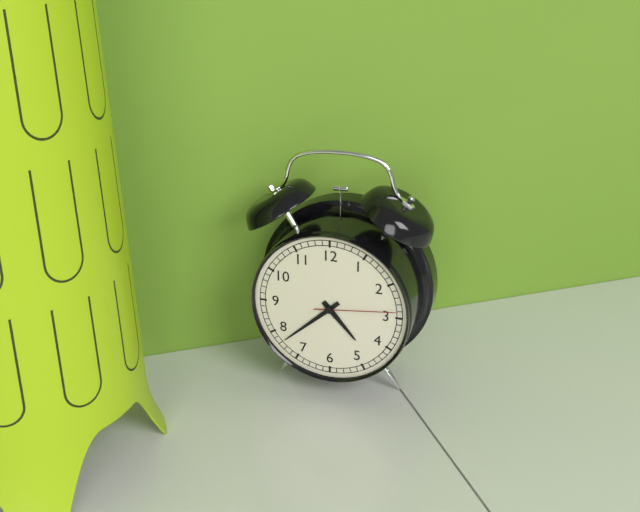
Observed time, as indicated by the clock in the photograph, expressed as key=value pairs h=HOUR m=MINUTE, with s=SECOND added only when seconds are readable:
h=4 m=38 s=14
